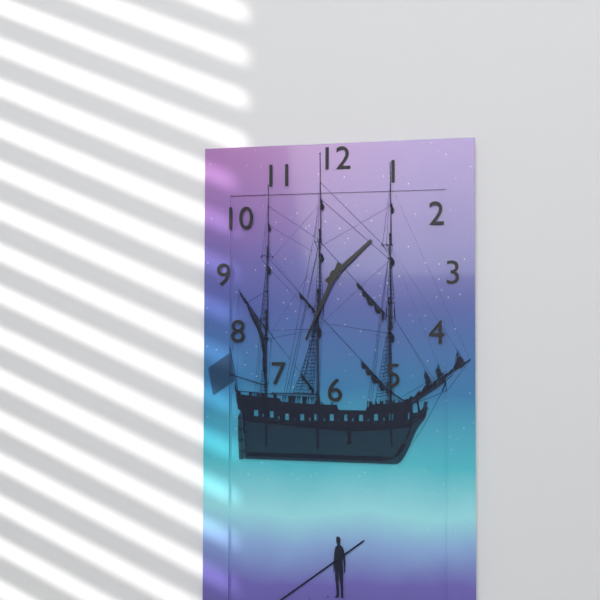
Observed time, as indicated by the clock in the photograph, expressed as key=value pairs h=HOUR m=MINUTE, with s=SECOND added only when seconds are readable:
h=1 m=34
